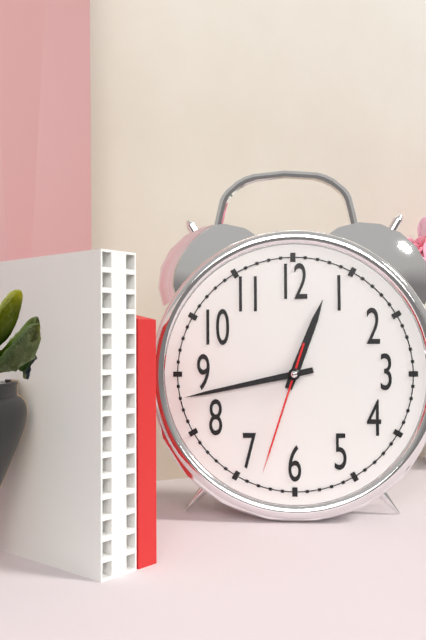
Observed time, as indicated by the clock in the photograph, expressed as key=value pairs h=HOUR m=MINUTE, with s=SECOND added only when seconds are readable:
h=12 m=43 s=33
